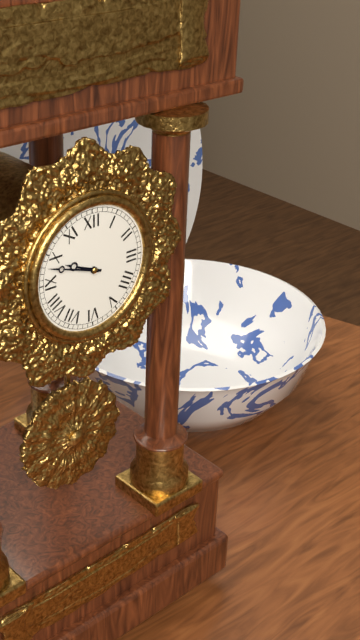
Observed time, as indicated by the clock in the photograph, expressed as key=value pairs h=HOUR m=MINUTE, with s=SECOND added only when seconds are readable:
h=9 m=48
